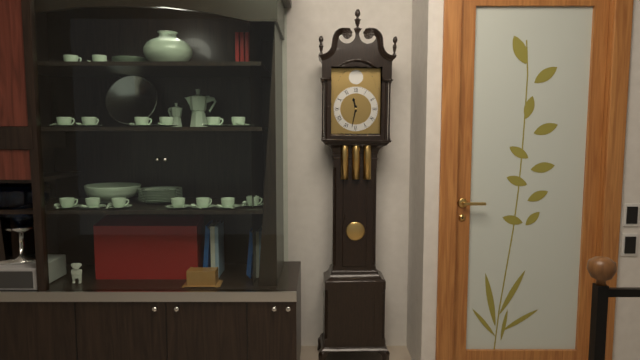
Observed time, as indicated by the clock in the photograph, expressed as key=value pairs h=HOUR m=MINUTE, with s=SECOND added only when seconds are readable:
h=11 m=32
